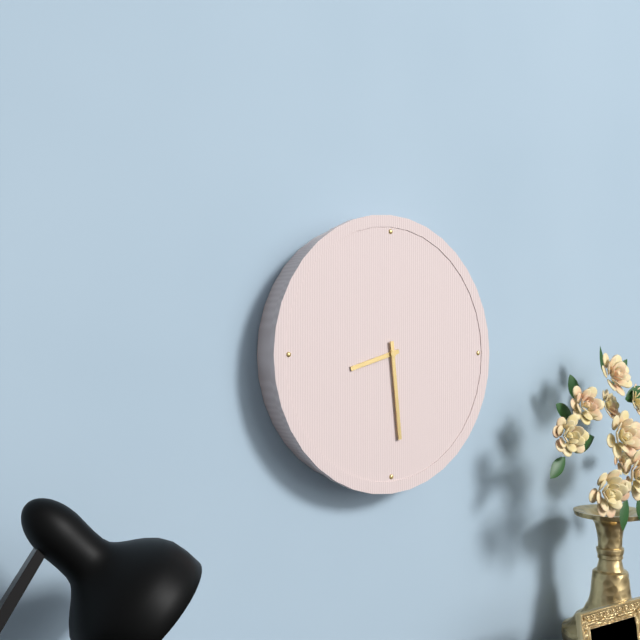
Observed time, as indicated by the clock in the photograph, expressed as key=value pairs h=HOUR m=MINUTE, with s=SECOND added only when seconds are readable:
h=8 m=29
